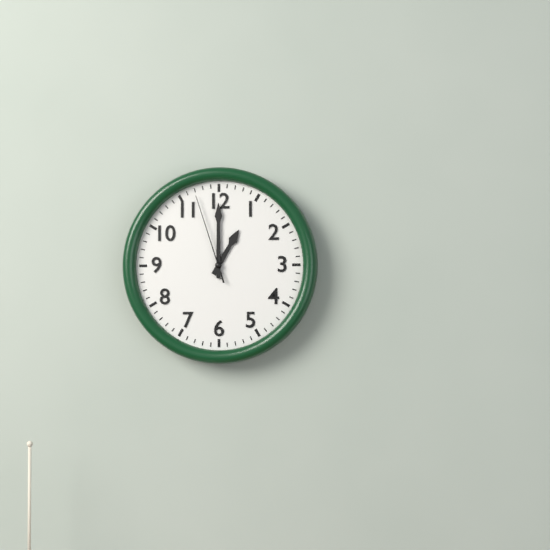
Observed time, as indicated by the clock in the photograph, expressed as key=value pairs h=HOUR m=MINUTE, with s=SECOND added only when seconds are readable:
h=1 m=0 s=57
